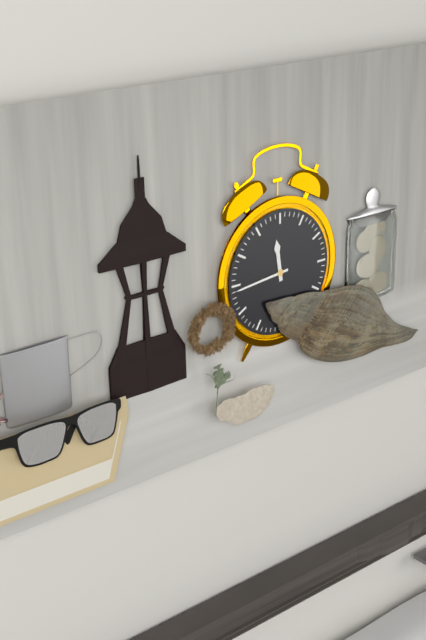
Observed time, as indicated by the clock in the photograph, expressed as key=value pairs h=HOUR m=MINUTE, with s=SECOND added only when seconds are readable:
h=11 m=44
